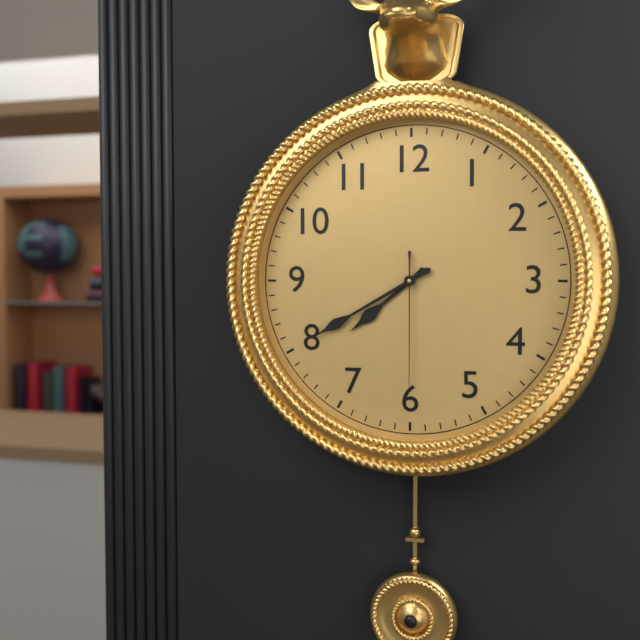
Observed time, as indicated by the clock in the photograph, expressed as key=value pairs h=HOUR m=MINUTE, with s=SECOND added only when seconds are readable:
h=7 m=40 s=30
